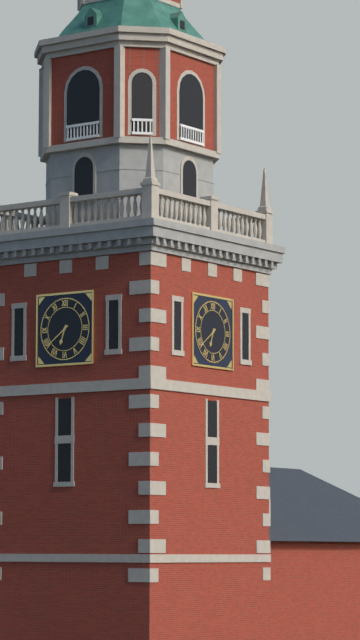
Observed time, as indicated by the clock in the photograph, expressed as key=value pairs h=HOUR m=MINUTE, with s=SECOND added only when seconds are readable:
h=6 m=39
